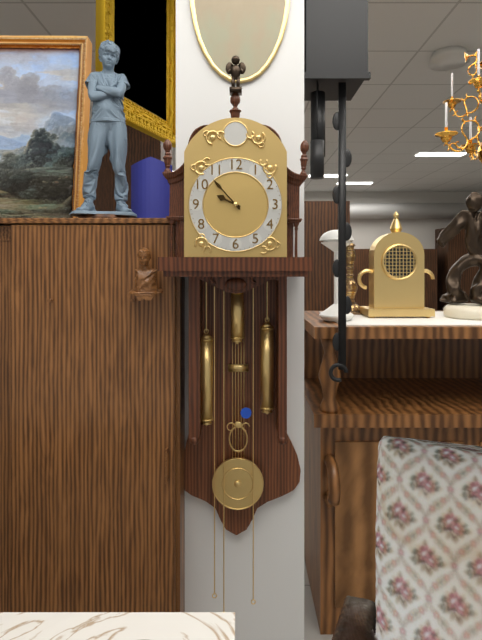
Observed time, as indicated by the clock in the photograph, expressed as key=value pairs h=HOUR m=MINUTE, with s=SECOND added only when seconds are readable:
h=9 m=53
